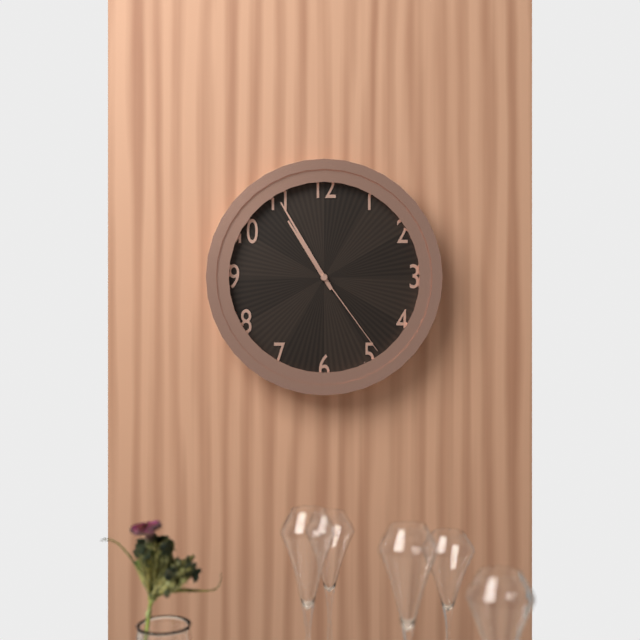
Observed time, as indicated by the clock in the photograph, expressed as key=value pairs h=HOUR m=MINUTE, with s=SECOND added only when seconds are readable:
h=10 m=55 s=24
